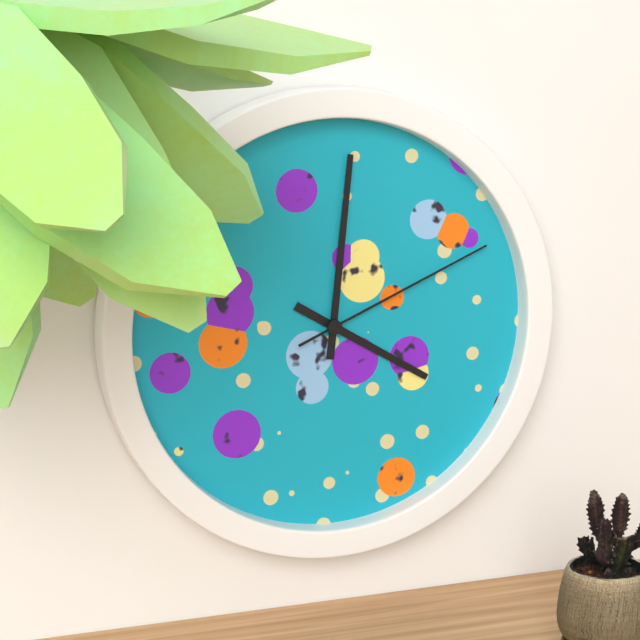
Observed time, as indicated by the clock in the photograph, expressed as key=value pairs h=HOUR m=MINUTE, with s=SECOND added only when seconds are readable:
h=4 m=1 s=11
